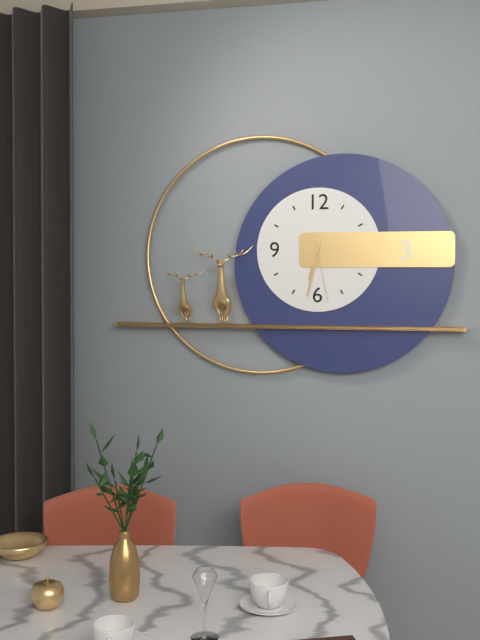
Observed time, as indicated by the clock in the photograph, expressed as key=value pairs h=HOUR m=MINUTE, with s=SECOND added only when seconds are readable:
h=6 m=32 s=28
